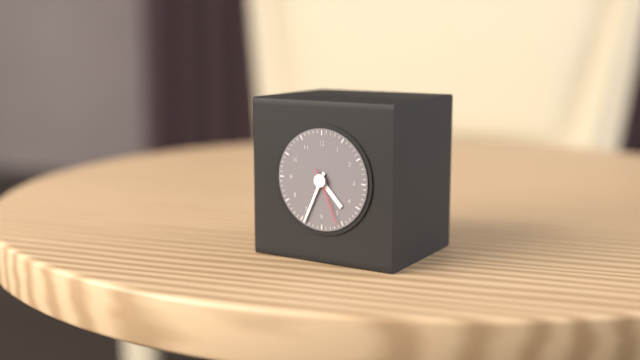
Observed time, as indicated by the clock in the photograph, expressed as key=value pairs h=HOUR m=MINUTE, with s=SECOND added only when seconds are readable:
h=4 m=34 s=26
